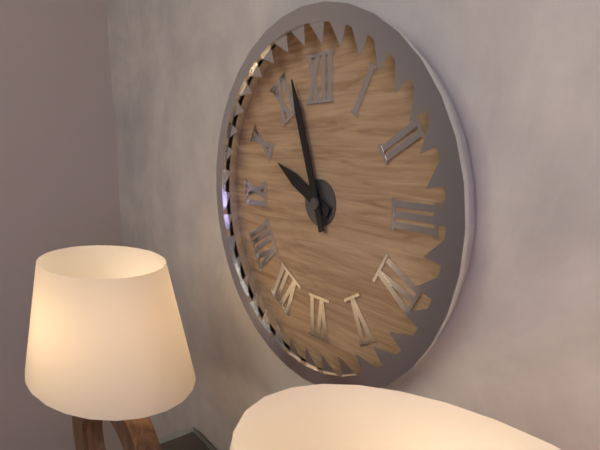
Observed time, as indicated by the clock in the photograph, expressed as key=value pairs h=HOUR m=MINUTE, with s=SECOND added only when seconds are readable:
h=9 m=57
